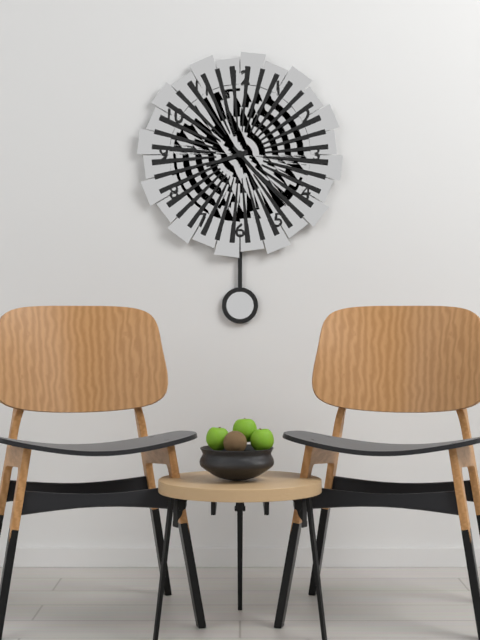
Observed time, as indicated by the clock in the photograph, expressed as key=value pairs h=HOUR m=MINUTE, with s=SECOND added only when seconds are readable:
h=8 m=23
